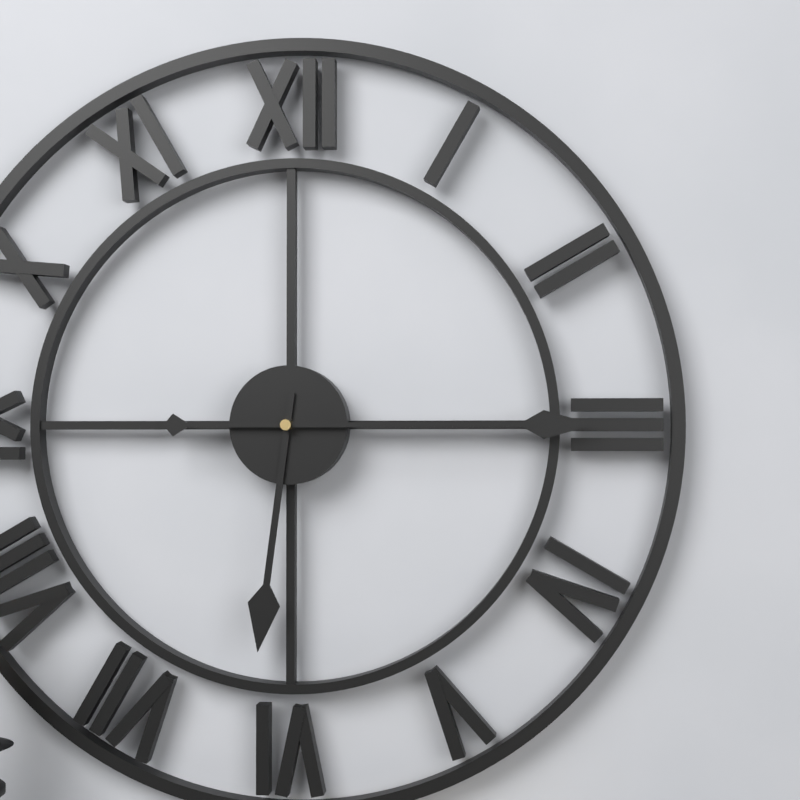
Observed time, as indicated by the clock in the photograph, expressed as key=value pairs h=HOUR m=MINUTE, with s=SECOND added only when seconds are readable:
h=6 m=15
